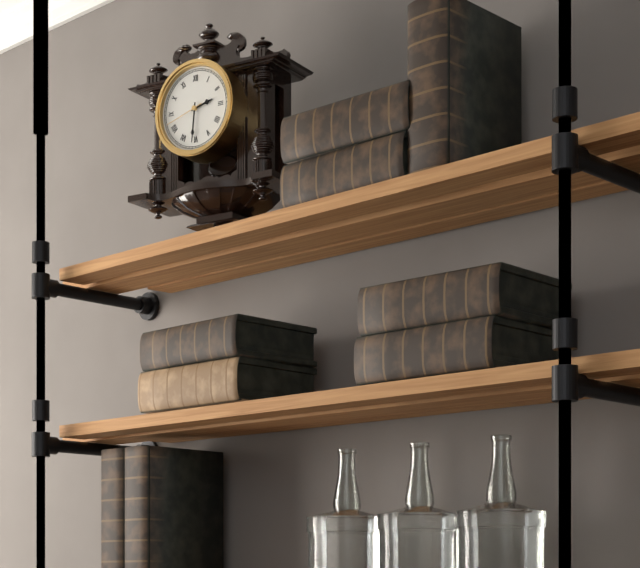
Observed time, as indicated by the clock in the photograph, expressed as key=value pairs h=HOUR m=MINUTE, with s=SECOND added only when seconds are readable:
h=2 m=31
